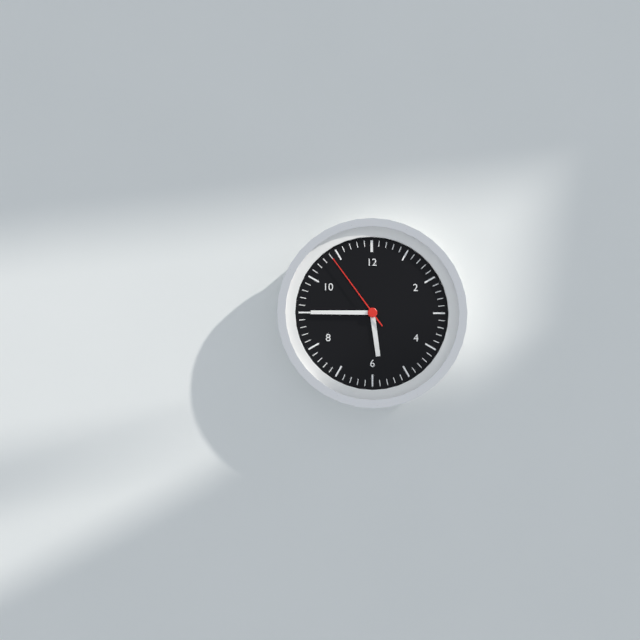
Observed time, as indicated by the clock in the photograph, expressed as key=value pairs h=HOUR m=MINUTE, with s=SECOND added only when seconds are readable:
h=5 m=45 s=54
